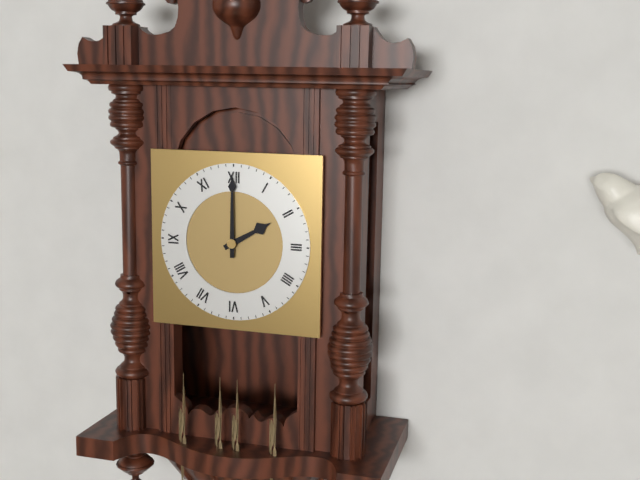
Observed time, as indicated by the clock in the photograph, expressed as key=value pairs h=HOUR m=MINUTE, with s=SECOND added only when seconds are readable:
h=2 m=0
